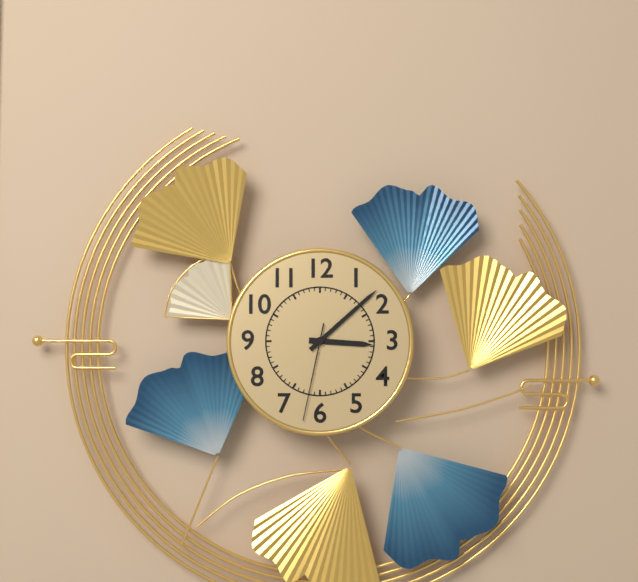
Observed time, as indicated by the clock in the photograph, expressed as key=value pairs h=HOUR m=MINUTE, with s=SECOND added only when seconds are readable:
h=3 m=8 s=32
